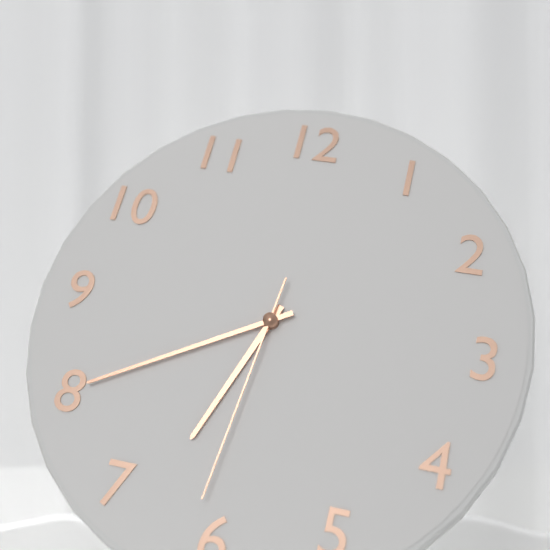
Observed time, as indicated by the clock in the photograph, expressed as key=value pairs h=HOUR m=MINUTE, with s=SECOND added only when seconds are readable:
h=6 m=40 s=31
